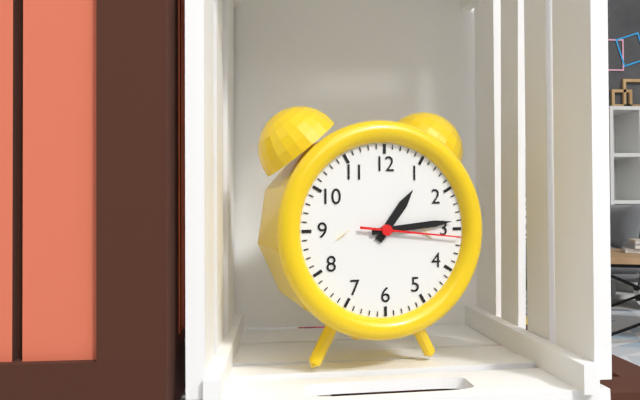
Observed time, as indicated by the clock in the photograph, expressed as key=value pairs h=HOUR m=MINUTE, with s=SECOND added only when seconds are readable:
h=1 m=14 s=16
